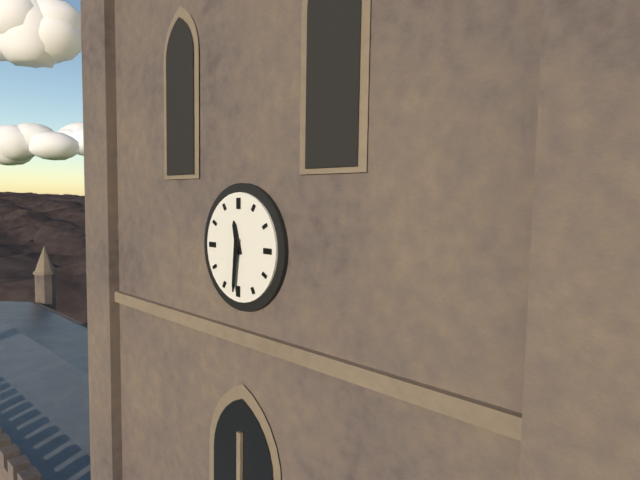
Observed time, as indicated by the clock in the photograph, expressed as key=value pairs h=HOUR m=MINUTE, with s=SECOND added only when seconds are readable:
h=11 m=31
